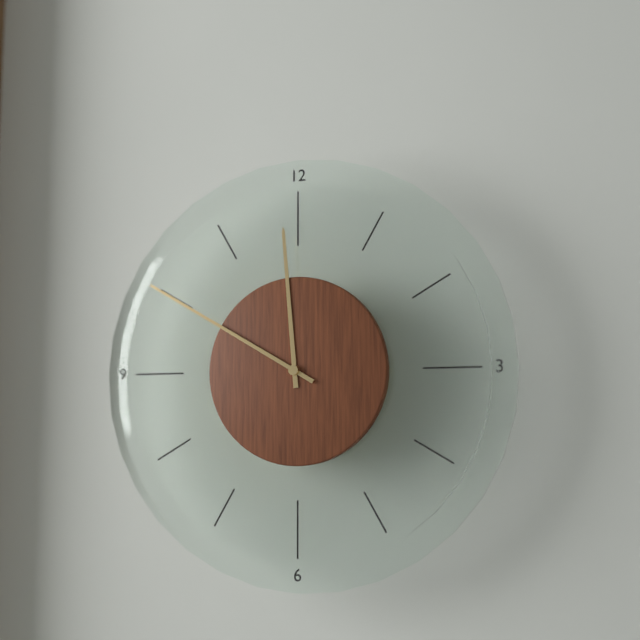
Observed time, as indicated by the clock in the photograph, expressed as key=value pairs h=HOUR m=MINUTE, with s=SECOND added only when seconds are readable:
h=11 m=50
